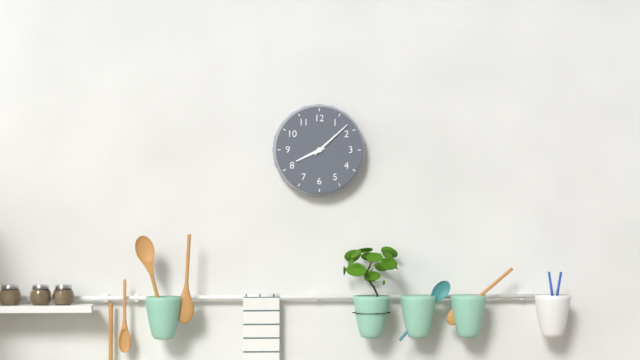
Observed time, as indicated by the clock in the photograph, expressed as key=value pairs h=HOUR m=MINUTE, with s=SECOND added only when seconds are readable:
h=8 m=8
